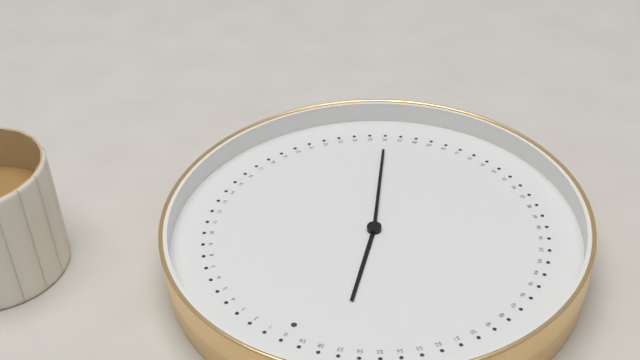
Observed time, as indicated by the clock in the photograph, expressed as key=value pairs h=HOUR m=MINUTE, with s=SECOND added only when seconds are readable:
h=11 m=26
